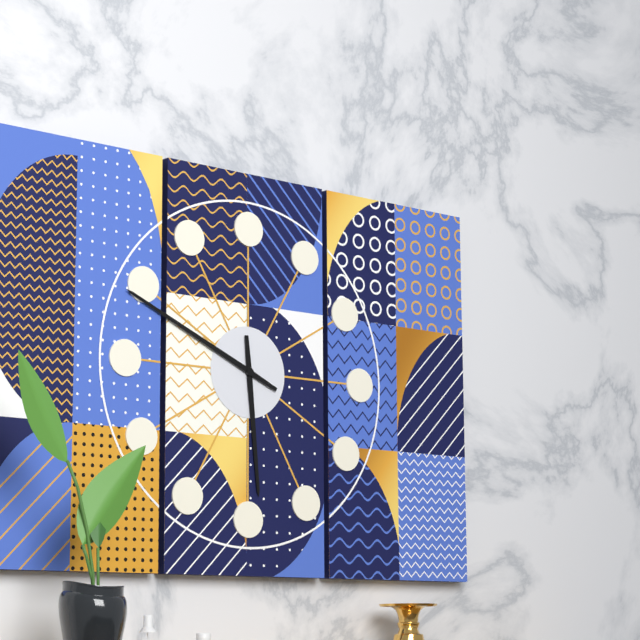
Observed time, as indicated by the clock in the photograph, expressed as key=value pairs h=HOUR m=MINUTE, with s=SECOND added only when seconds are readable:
h=5 m=49
